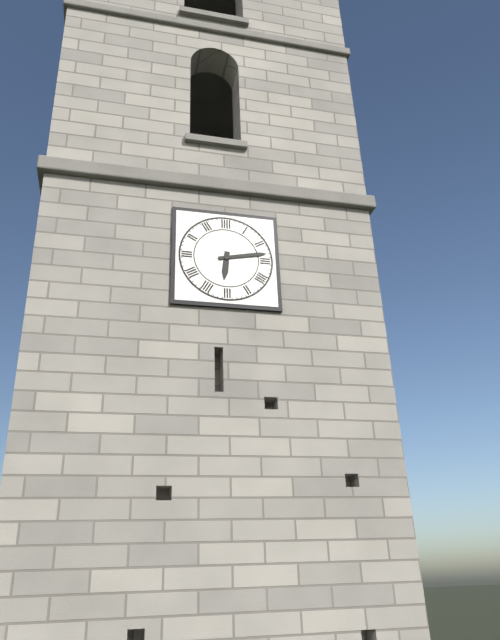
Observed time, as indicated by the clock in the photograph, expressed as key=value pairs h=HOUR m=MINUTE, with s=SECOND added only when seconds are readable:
h=6 m=13
